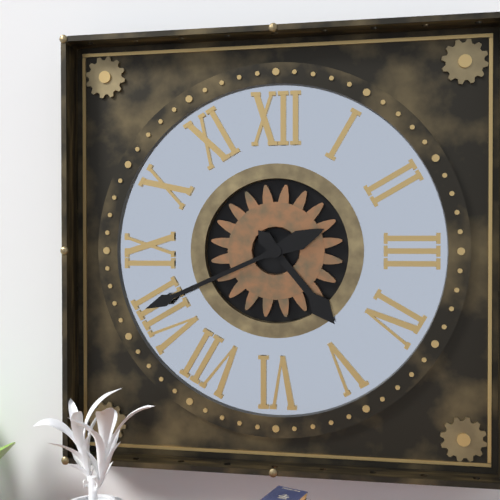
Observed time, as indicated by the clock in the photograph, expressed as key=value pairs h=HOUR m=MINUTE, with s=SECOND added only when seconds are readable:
h=4 m=41
